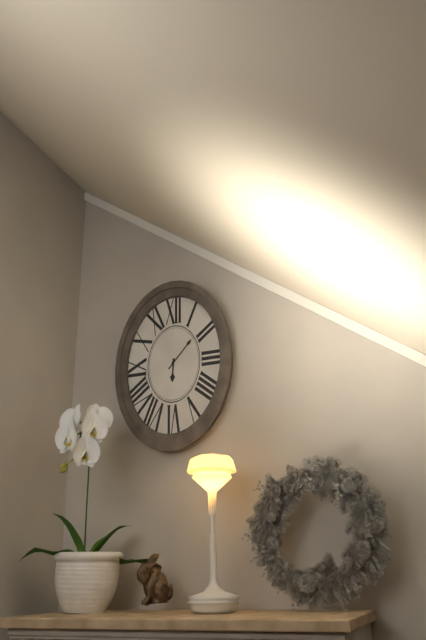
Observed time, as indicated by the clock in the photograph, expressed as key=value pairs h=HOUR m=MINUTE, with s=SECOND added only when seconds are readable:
h=6 m=7
